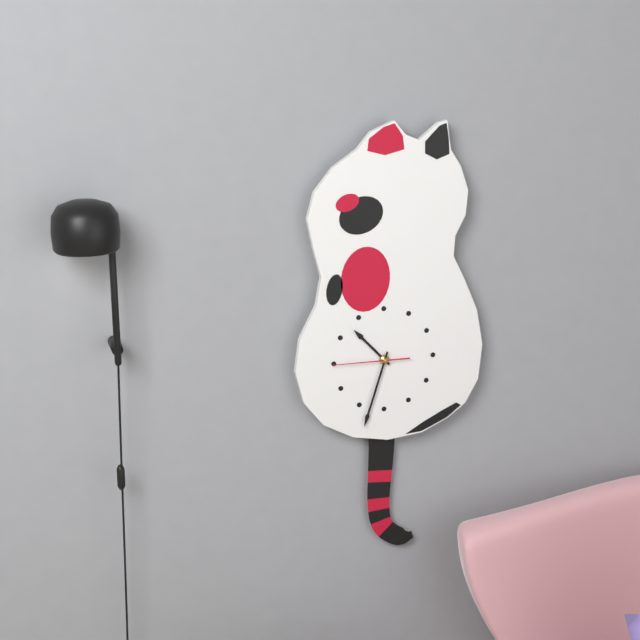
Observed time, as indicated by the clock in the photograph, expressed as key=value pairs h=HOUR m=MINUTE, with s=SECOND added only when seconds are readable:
h=10 m=33 s=45
